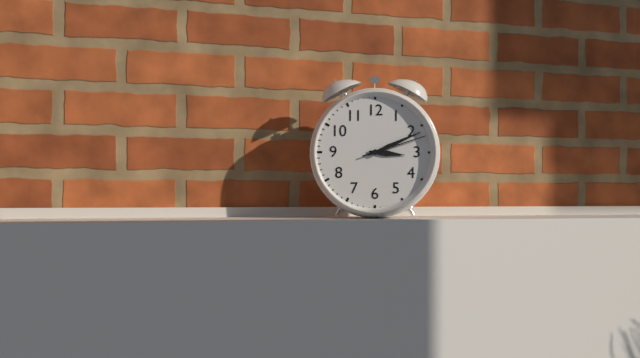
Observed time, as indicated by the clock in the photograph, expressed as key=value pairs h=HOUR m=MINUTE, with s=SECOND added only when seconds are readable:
h=3 m=11 s=12
